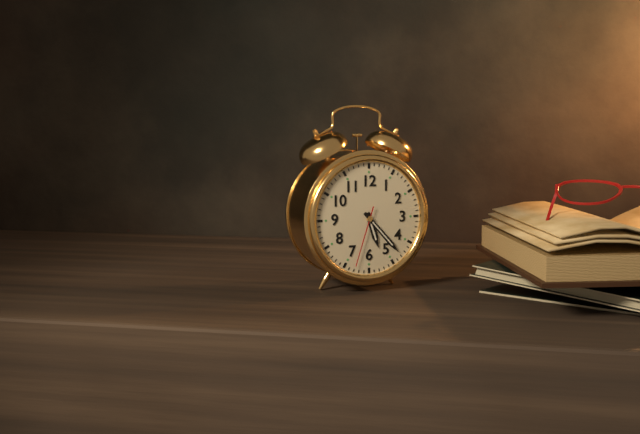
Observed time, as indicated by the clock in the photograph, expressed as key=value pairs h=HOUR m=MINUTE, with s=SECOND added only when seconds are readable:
h=5 m=23 s=33
